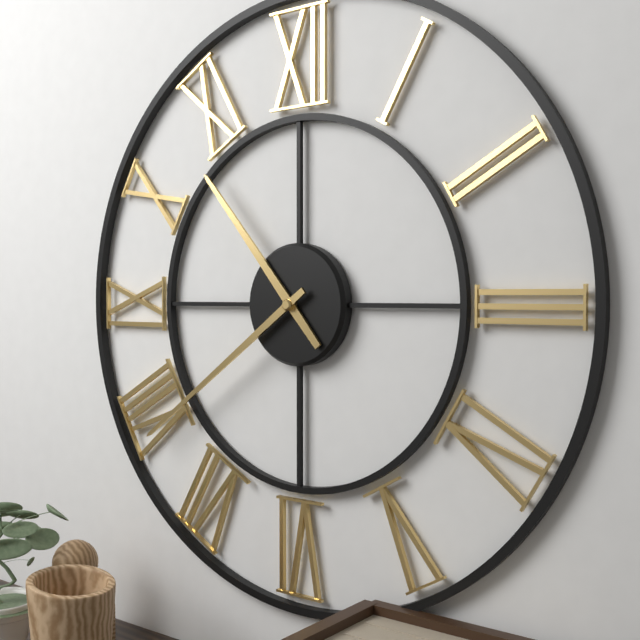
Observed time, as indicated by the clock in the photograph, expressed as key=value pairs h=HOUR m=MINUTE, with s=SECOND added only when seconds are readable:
h=10 m=39
